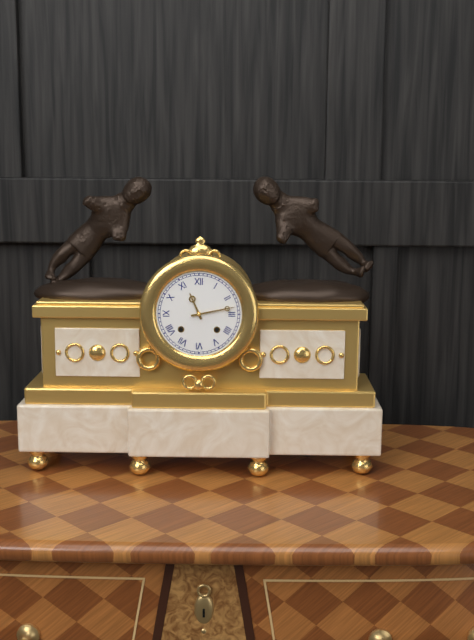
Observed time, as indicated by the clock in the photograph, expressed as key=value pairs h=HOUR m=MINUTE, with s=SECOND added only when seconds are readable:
h=11 m=13
